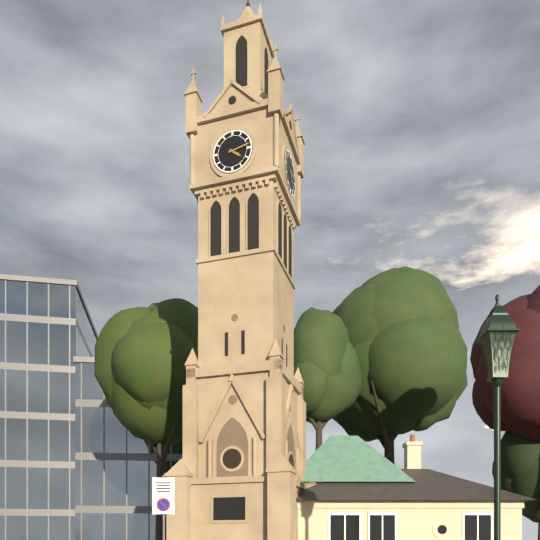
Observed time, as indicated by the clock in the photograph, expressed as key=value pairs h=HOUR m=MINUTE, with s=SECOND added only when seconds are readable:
h=4 m=13
